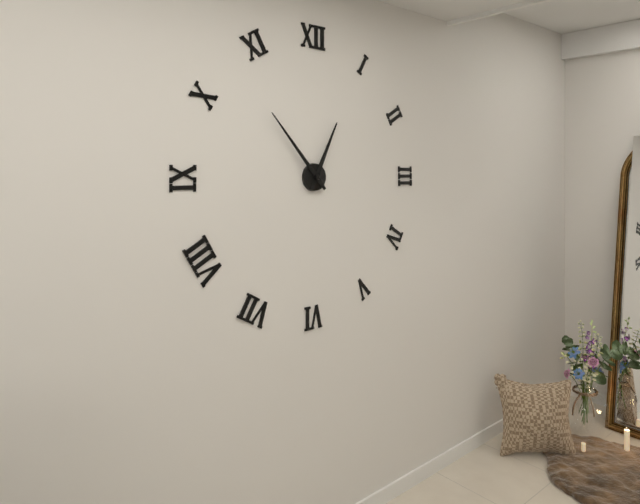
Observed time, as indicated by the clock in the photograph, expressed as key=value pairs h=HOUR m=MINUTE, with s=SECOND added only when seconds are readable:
h=12 m=53
